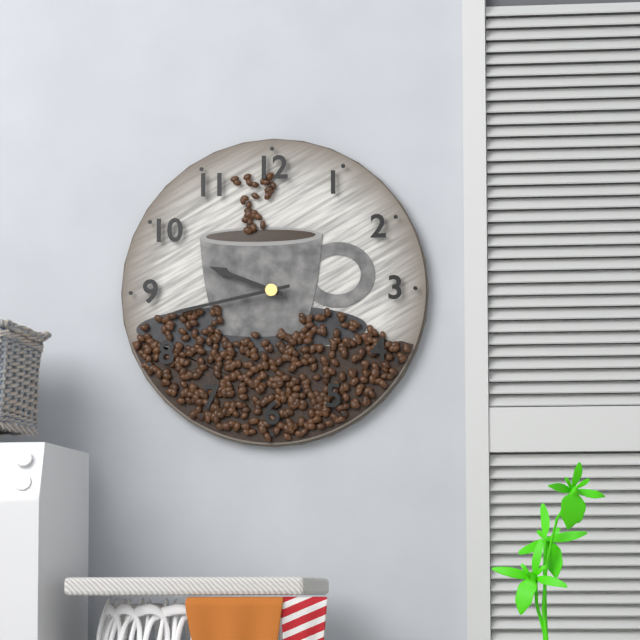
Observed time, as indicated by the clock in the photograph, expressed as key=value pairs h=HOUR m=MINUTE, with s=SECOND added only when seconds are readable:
h=9 m=43
